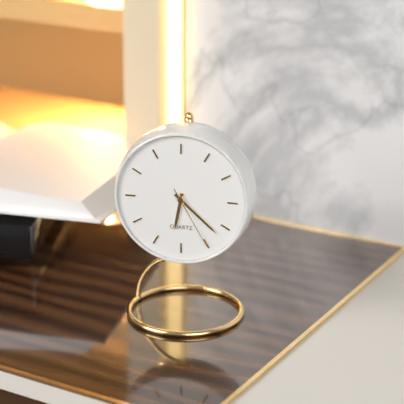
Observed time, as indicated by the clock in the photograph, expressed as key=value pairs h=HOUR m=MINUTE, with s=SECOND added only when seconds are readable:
h=6 m=22 s=25
